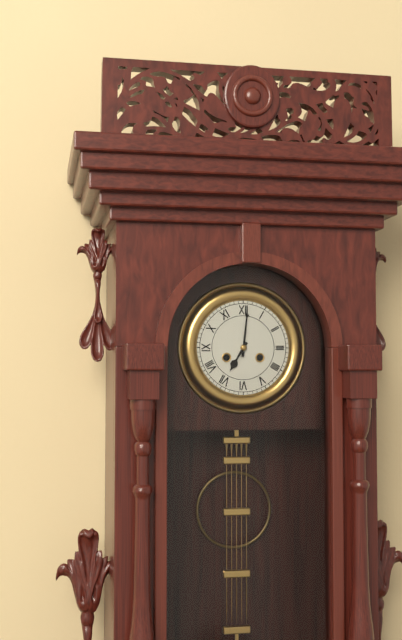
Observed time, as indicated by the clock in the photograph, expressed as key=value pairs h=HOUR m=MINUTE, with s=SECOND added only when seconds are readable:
h=7 m=1
